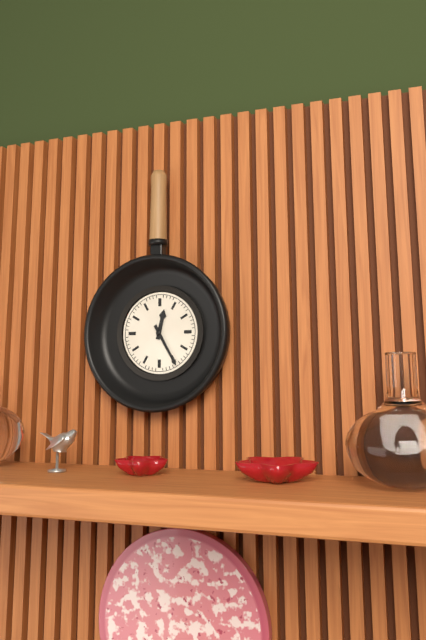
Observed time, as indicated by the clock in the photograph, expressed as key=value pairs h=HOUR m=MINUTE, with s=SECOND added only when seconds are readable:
h=12 m=25
